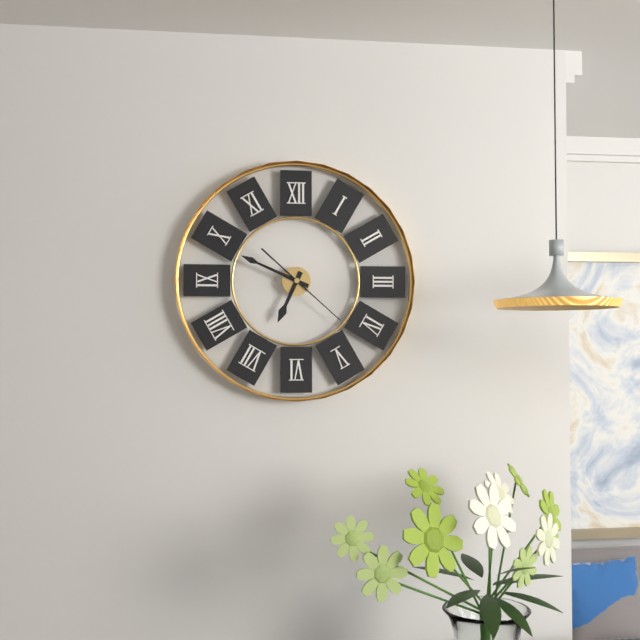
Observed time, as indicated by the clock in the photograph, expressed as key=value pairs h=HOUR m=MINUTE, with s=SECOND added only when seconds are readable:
h=6 m=49 s=22
